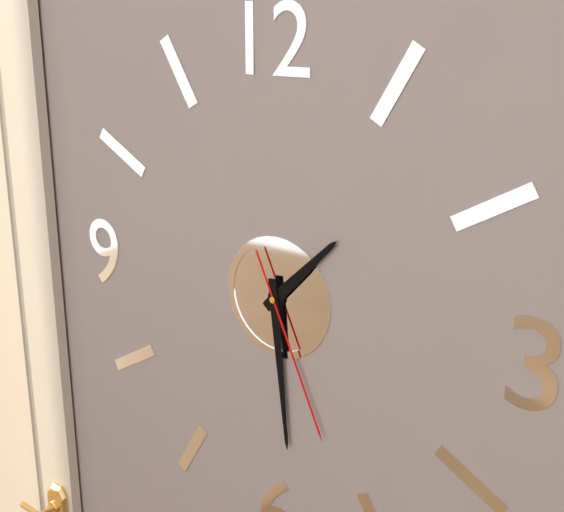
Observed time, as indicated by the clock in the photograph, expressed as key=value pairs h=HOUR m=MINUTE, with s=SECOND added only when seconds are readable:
h=1 m=29 s=26
